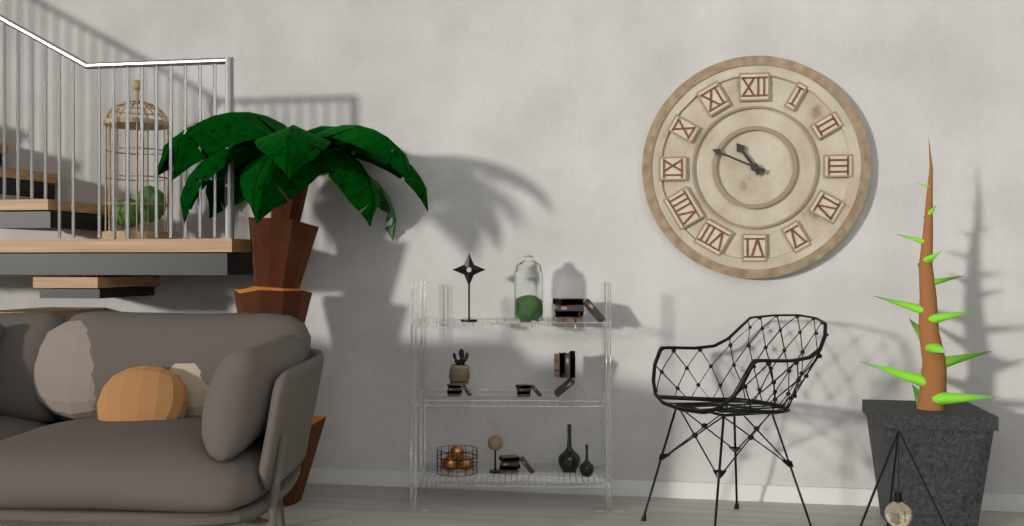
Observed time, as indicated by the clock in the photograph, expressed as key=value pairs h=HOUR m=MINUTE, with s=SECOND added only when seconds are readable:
h=10 m=49
